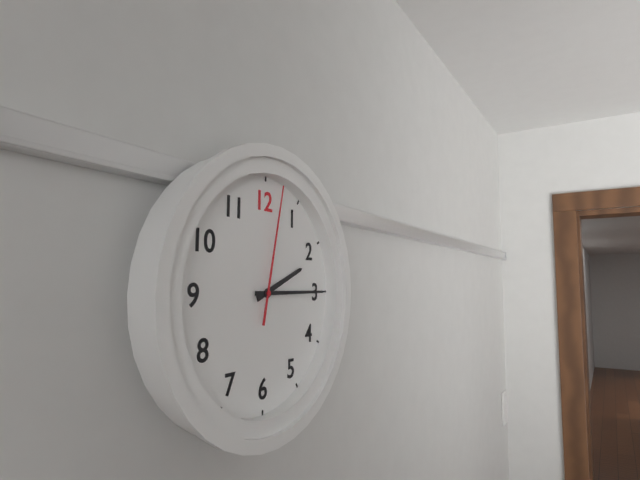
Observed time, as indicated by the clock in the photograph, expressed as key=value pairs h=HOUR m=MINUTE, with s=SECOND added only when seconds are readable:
h=2 m=15 s=2
